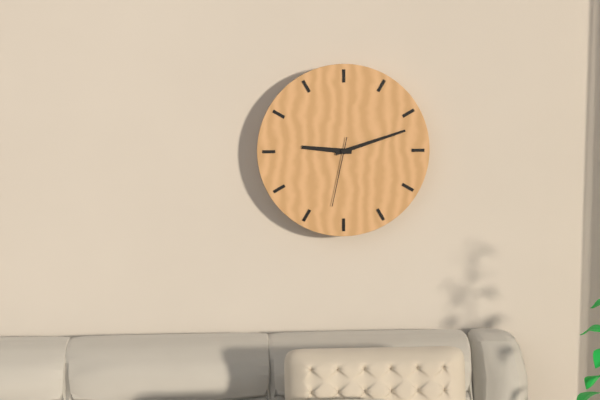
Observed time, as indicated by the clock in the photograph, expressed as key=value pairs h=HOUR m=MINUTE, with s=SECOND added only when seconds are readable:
h=9 m=12 s=32
